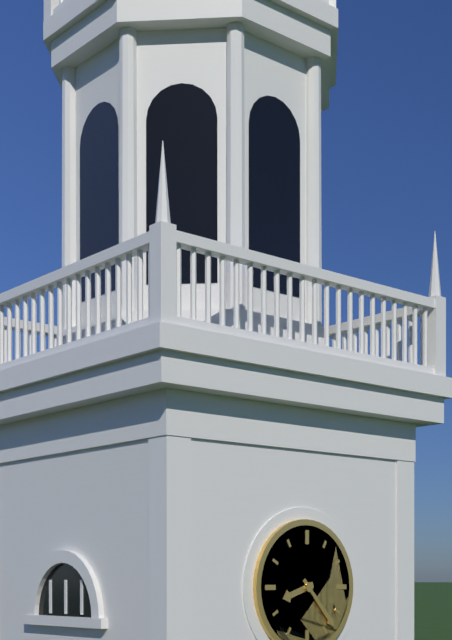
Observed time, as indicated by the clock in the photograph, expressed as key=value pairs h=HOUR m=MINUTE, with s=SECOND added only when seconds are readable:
h=8 m=23
